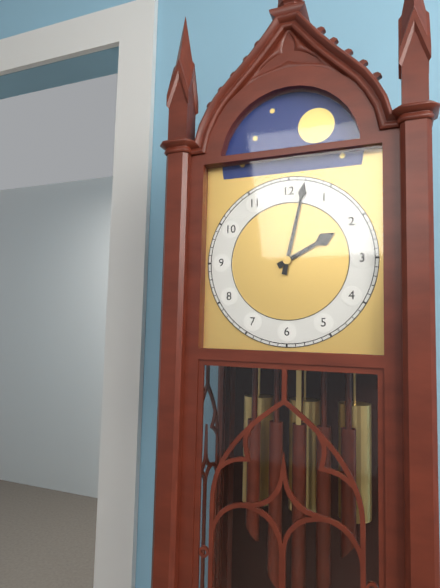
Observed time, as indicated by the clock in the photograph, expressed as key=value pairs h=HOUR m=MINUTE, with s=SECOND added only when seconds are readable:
h=2 m=2
